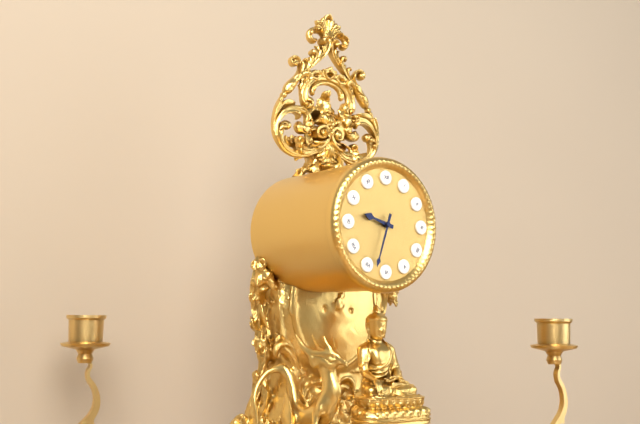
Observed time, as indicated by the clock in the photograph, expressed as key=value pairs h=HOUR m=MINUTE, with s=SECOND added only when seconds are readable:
h=9 m=33
